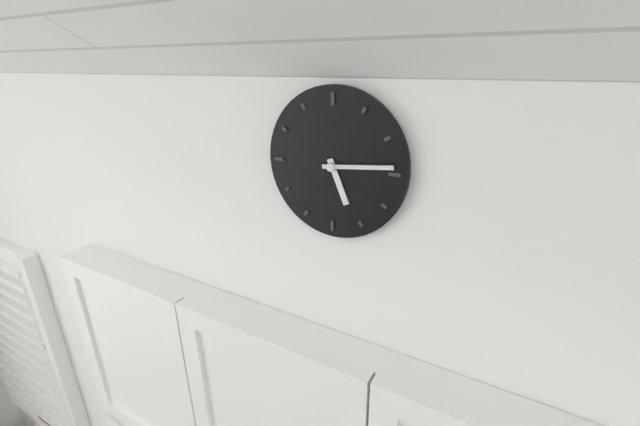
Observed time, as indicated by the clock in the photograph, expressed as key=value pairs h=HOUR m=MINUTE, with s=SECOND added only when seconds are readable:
h=5 m=14
